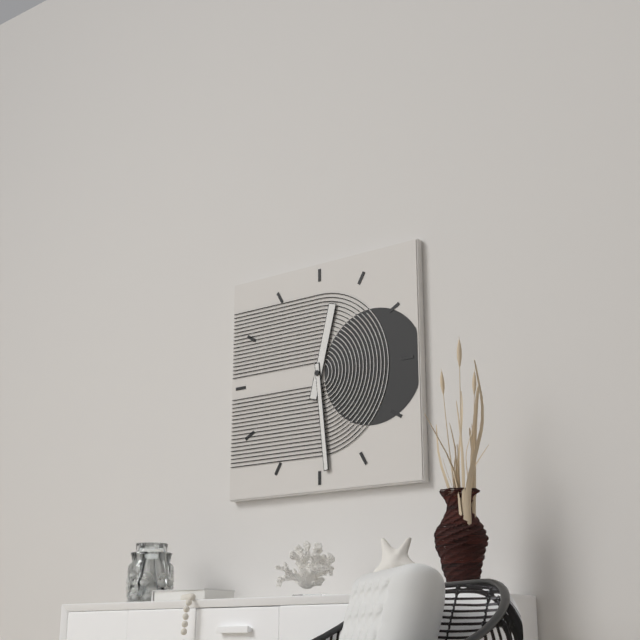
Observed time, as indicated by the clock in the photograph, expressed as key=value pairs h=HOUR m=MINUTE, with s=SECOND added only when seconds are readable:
h=12 m=29
